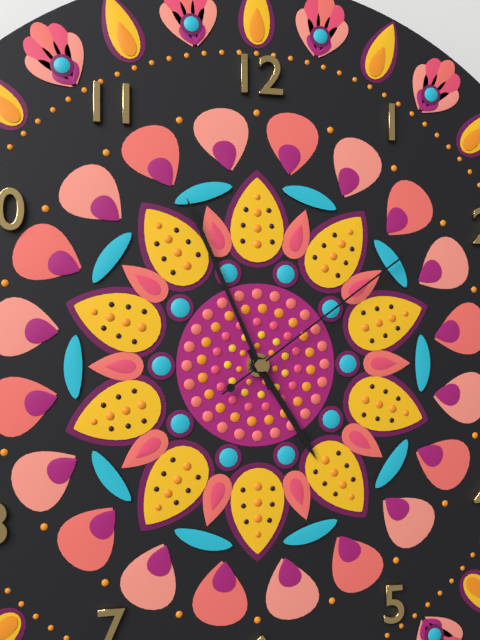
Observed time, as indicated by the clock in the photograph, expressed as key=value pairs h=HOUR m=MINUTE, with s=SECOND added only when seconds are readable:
h=4 m=56 s=9
